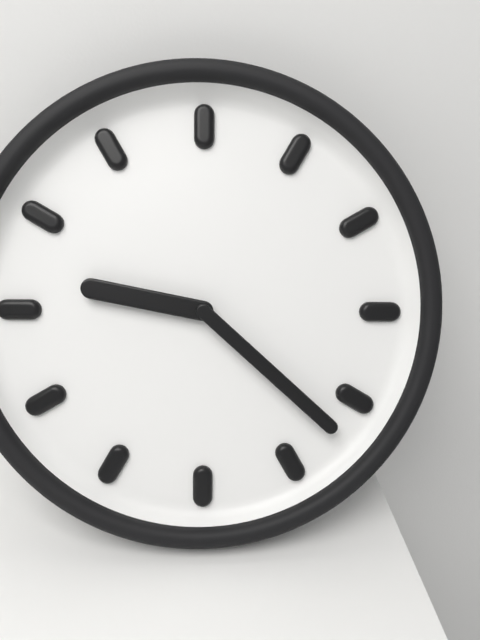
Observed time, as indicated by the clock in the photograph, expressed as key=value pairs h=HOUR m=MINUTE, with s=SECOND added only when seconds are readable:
h=9 m=22
